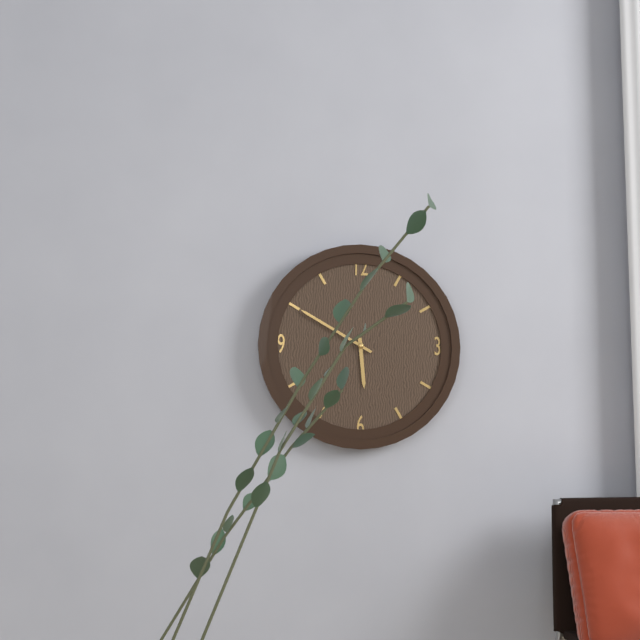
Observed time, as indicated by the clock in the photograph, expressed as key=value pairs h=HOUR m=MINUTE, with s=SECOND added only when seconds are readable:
h=5 m=50
